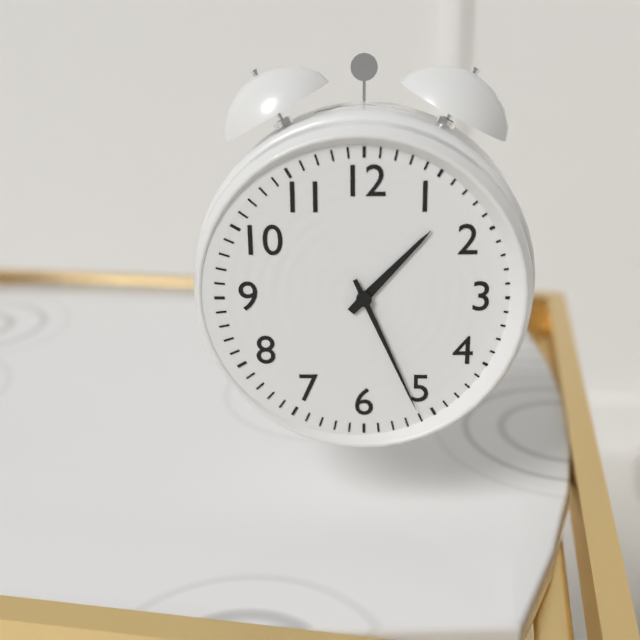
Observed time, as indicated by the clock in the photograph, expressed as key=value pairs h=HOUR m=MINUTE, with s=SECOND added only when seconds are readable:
h=1 m=26
